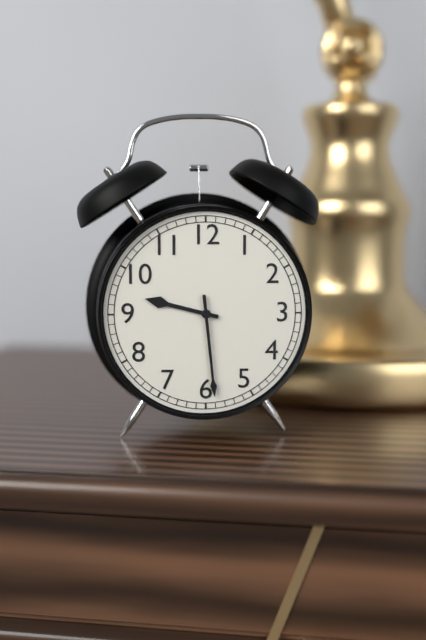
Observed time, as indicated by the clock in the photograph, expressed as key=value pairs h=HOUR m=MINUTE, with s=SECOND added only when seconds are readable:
h=9 m=29
